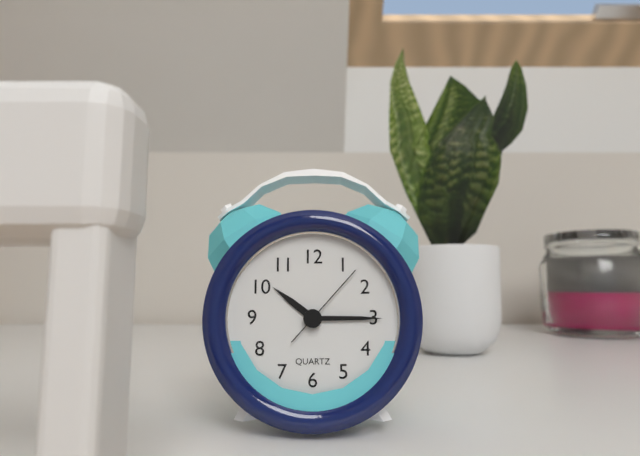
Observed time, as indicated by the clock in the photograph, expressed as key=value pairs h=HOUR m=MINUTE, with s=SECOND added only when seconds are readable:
h=10 m=15 s=7
